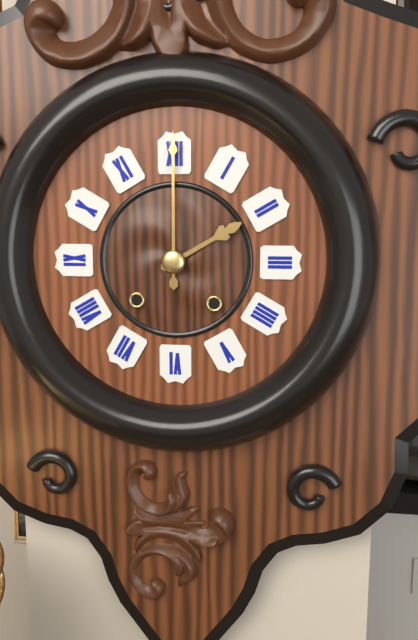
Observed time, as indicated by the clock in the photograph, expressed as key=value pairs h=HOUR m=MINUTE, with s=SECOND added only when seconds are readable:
h=2 m=0
